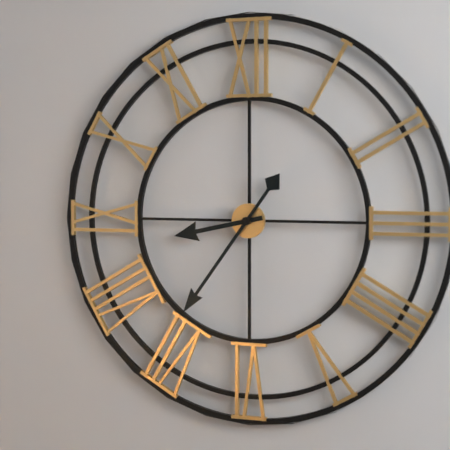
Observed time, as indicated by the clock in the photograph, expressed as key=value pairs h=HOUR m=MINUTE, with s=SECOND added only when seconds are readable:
h=8 m=36
